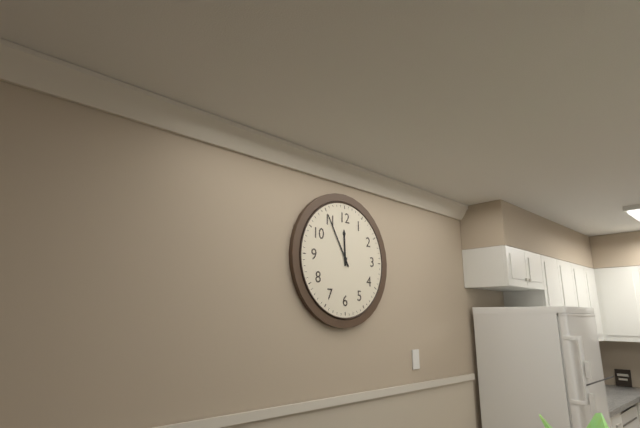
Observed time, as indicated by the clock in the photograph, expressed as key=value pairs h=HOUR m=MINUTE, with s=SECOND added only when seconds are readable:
h=11 m=55
